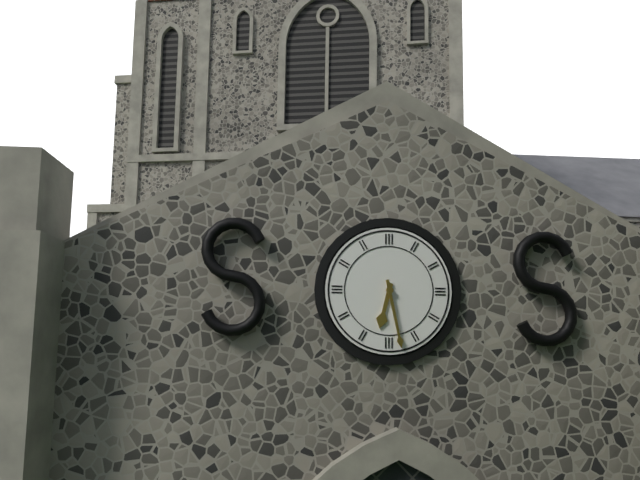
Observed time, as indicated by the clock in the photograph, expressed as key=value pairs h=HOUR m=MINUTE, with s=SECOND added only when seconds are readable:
h=6 m=28
